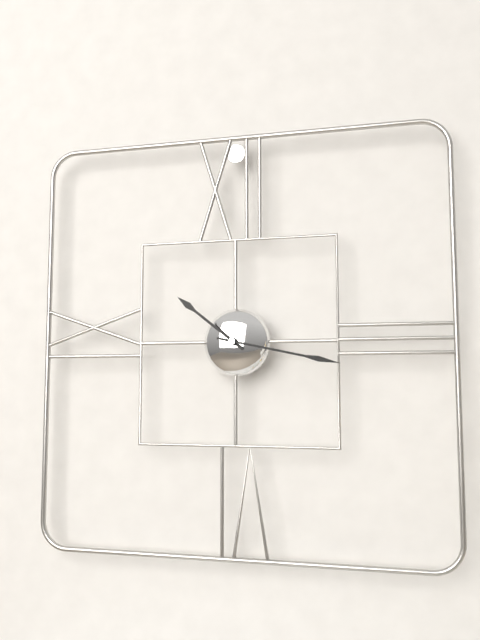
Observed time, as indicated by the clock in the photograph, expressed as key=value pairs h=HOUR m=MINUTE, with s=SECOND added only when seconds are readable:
h=10 m=17
